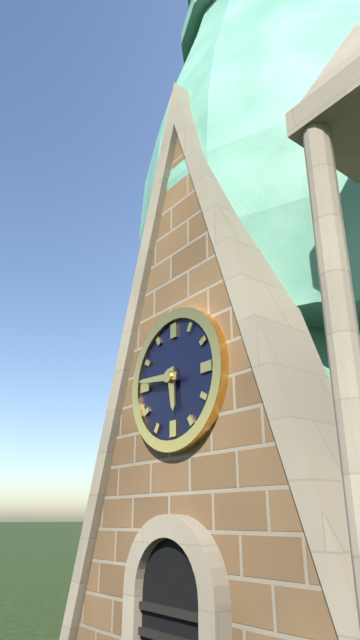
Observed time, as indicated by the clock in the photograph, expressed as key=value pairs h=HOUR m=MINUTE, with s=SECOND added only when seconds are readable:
h=5 m=46
